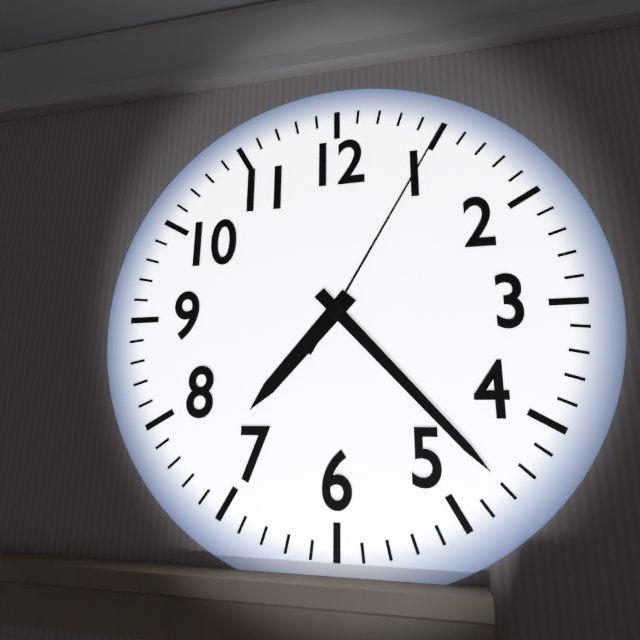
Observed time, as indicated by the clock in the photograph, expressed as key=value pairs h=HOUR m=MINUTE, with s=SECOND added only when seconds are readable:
h=7 m=23 s=5
